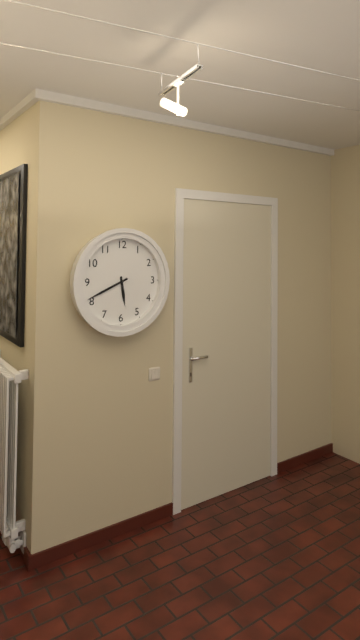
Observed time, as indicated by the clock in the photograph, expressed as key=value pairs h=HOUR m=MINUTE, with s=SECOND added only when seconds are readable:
h=5 m=41
